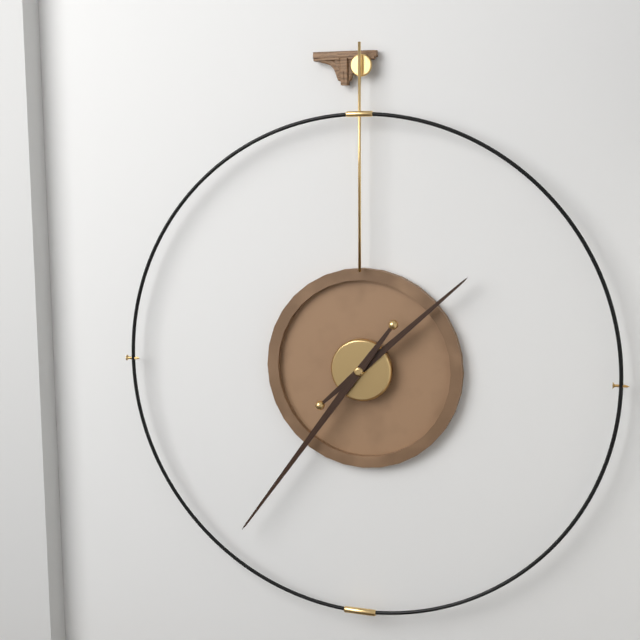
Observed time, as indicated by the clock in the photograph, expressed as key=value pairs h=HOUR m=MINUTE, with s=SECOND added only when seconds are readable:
h=1 m=36
